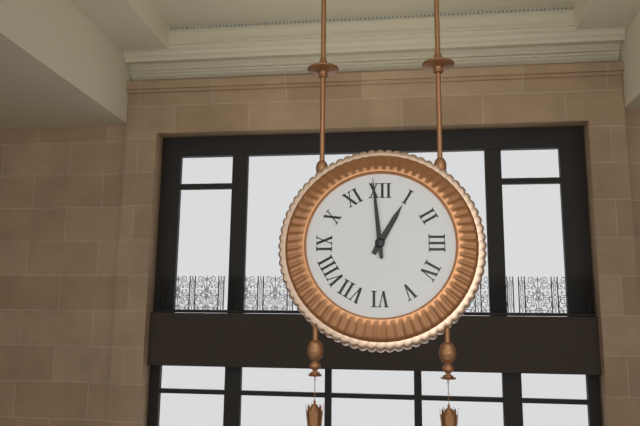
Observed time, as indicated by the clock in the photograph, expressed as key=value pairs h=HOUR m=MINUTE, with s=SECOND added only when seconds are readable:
h=12 m=59
